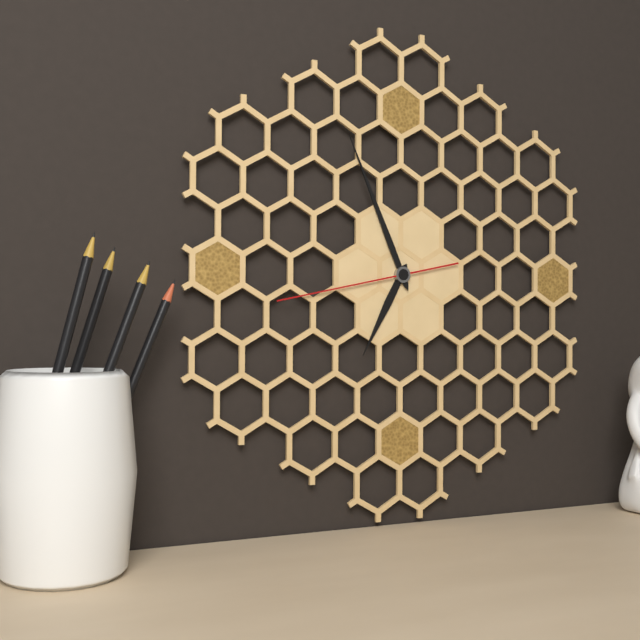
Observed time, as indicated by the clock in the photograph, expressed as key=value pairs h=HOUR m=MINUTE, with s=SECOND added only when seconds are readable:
h=6 m=56 s=43
